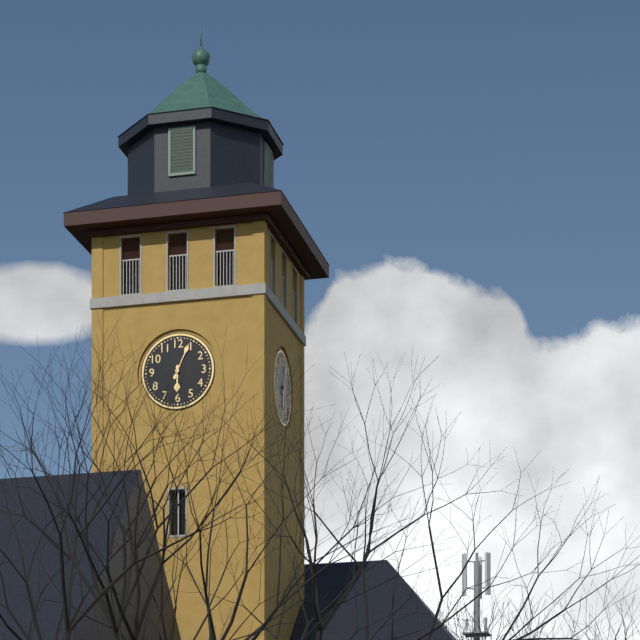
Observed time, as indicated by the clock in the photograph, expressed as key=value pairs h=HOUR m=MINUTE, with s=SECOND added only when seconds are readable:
h=6 m=4
